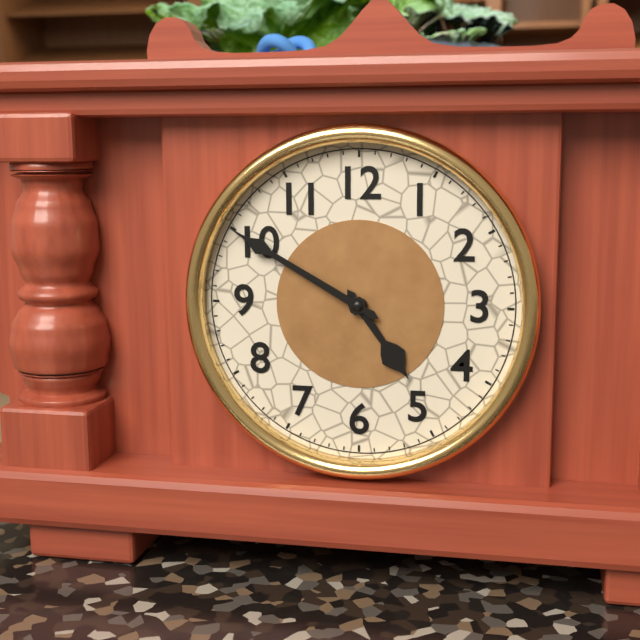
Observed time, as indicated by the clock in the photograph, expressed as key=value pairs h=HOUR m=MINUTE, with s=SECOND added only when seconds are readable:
h=4 m=50
